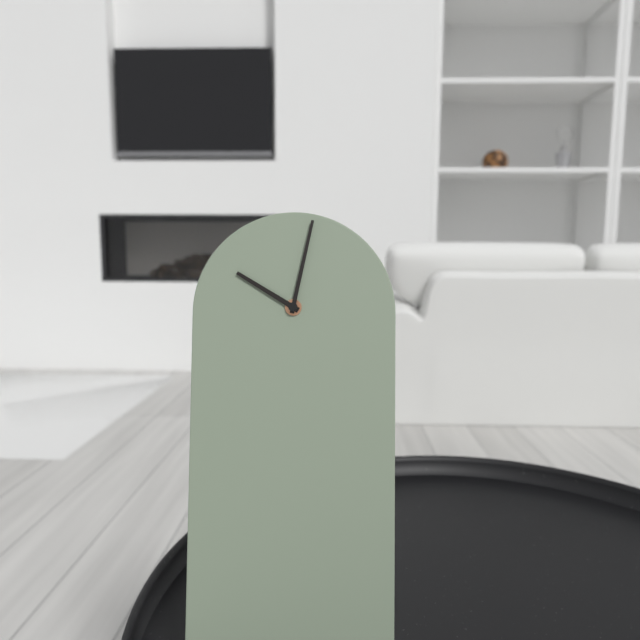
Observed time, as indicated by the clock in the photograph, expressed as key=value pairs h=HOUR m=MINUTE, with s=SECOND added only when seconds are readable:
h=10 m=2
